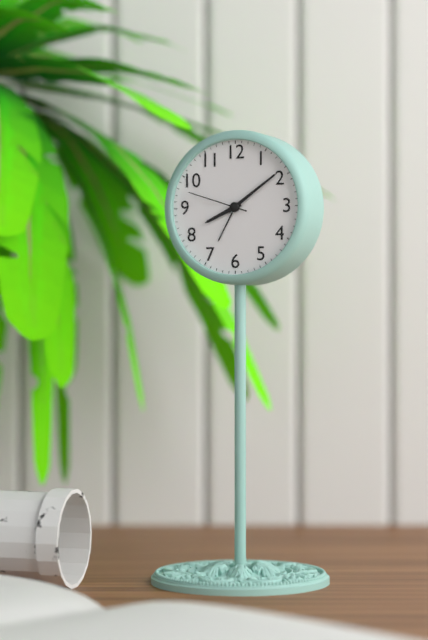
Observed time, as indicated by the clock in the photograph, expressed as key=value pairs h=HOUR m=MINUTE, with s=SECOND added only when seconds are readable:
h=8 m=9 s=48
